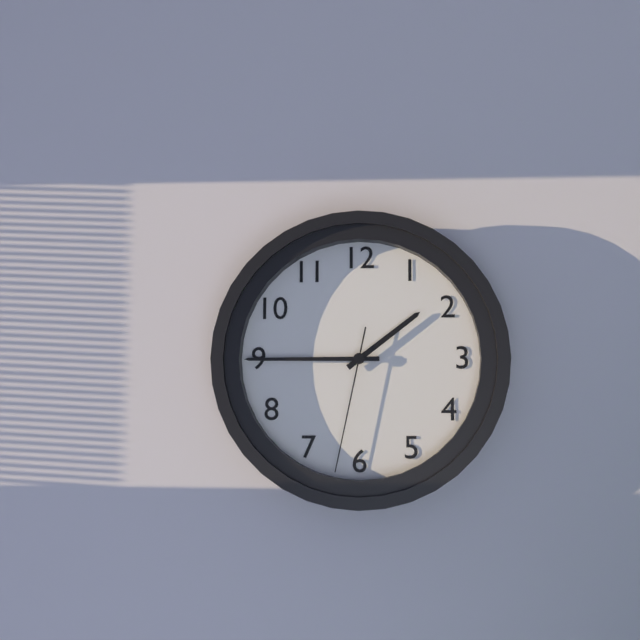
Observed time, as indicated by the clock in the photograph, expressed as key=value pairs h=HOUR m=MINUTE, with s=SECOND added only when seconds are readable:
h=1 m=45 s=32
